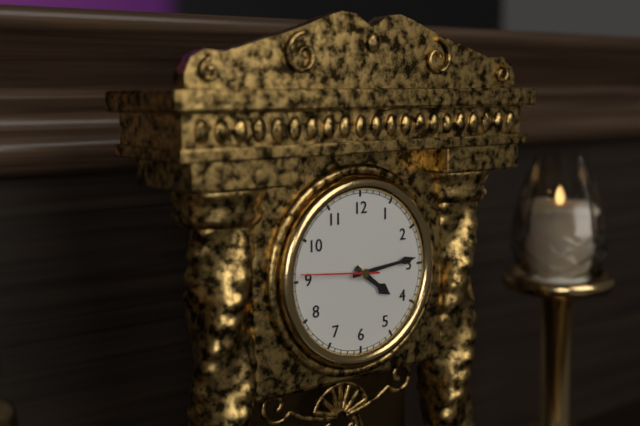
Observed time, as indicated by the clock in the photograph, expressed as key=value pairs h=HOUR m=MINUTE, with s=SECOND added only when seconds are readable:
h=4 m=14 s=46
